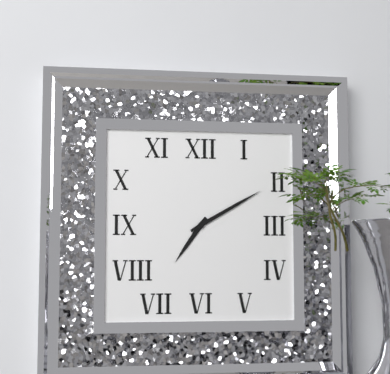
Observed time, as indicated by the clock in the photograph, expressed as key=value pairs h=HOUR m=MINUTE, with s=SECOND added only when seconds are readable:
h=7 m=10
